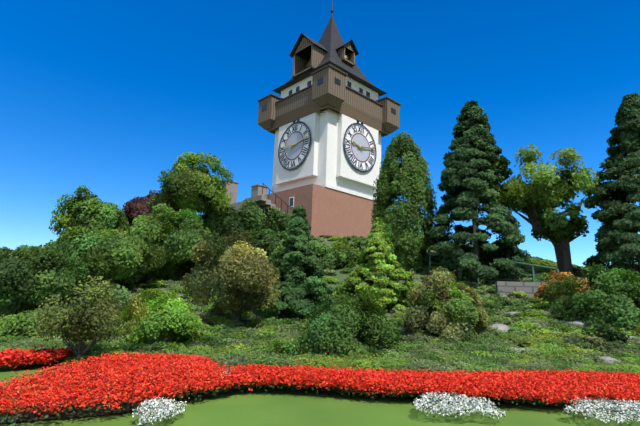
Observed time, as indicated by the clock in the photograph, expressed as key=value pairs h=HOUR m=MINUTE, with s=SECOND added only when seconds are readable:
h=9 m=13
